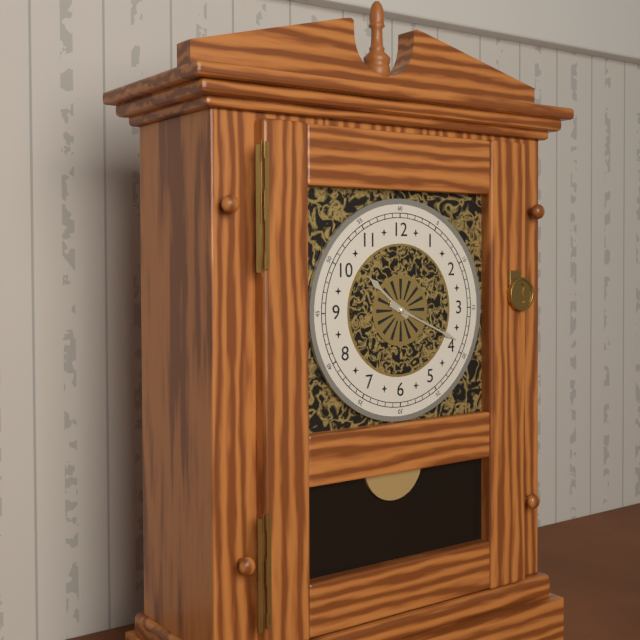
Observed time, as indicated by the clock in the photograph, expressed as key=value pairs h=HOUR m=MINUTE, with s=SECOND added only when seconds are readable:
h=10 m=19
